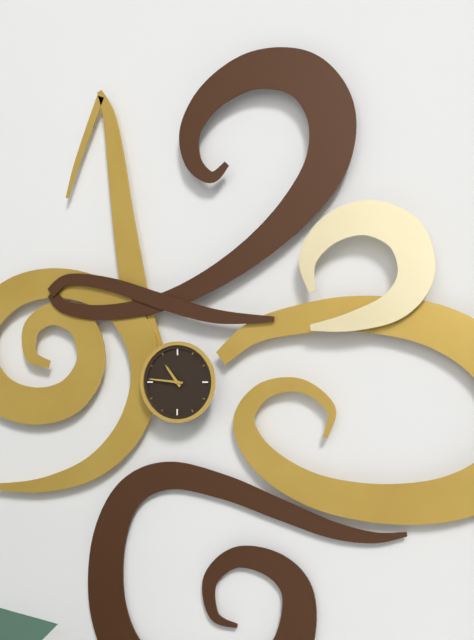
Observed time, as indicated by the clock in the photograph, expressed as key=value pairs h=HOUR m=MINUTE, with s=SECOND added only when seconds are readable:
h=10 m=46
